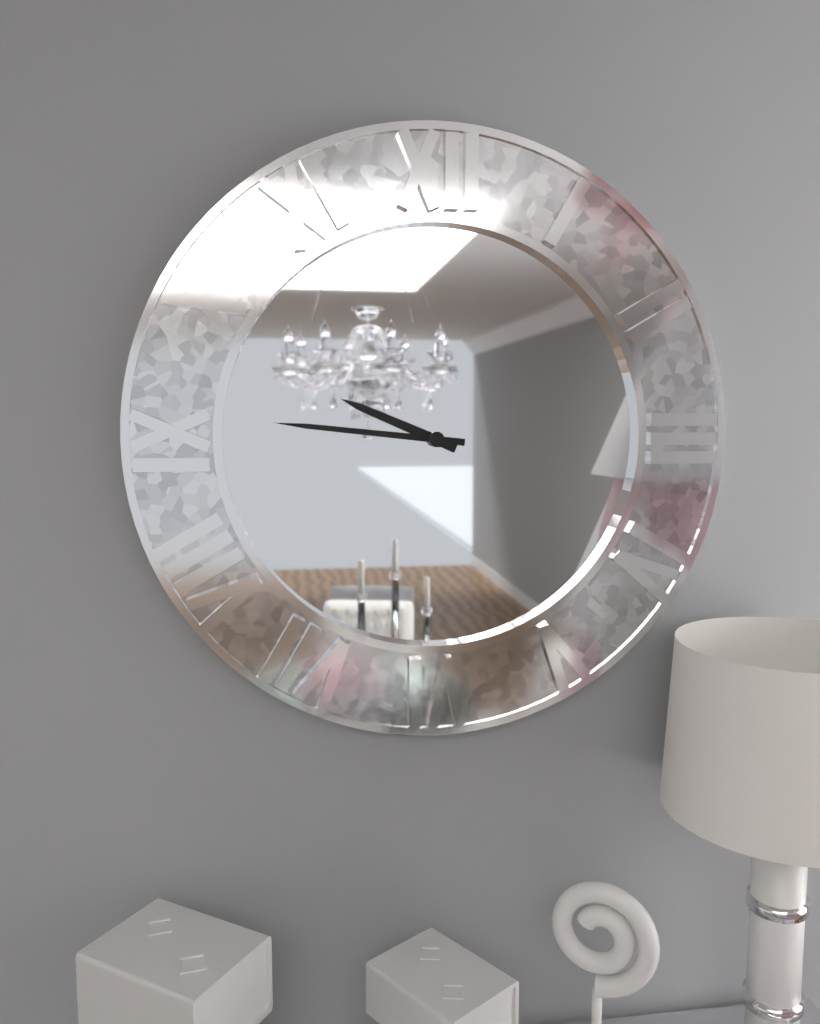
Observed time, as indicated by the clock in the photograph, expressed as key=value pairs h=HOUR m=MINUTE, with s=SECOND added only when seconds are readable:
h=9 m=46
